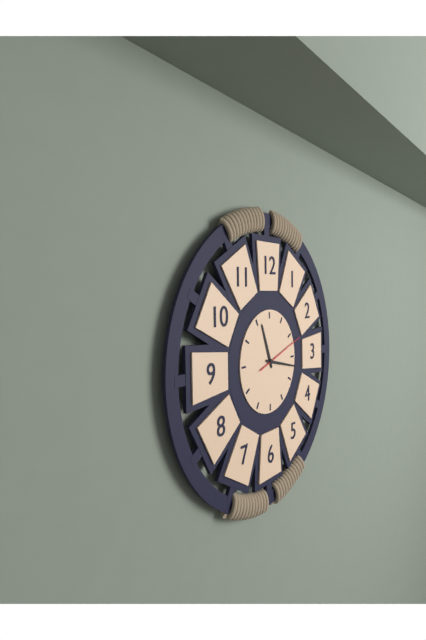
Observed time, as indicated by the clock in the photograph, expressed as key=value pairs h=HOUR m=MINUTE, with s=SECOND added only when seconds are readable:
h=11 m=17 s=12
